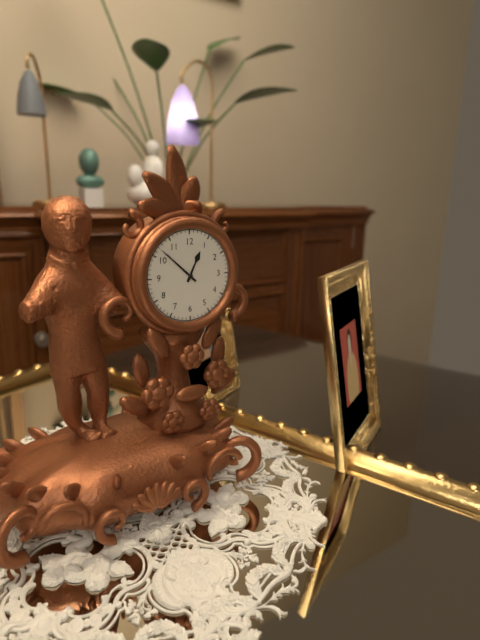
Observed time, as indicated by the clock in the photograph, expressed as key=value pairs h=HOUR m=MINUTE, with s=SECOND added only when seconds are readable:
h=12 m=52
